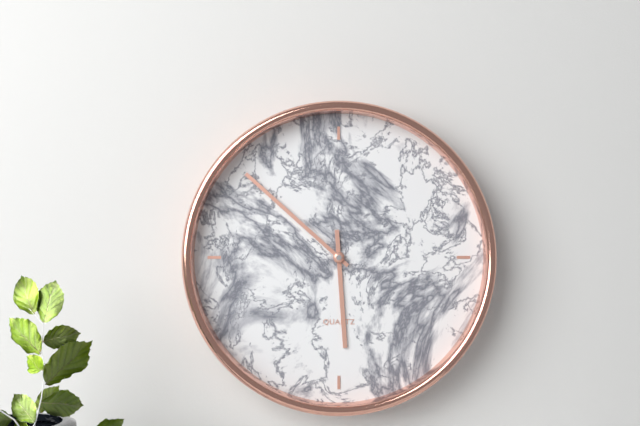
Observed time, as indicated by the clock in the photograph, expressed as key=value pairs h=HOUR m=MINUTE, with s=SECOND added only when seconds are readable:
h=5 m=52
